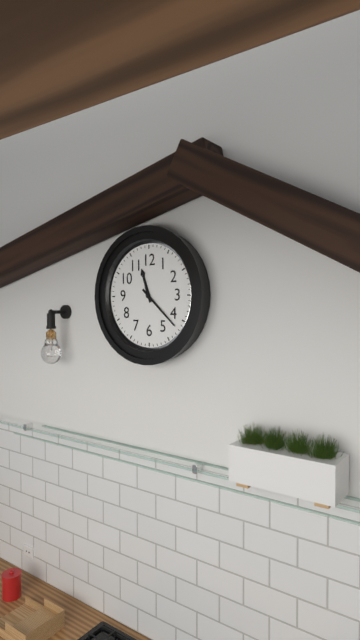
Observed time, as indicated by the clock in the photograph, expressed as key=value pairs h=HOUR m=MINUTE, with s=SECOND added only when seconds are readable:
h=11 m=22
